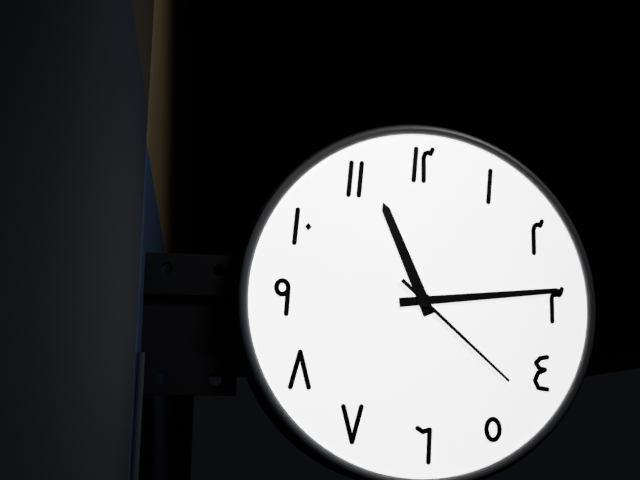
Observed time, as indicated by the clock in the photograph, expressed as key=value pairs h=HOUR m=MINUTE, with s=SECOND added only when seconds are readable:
h=11 m=14 s=22
